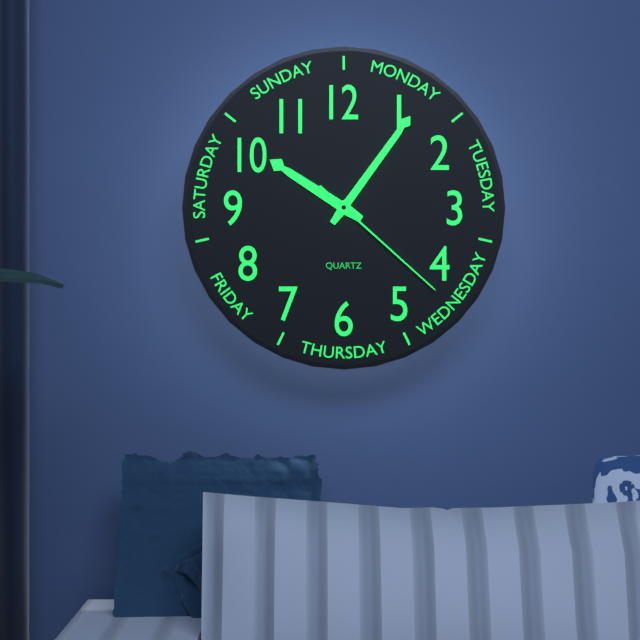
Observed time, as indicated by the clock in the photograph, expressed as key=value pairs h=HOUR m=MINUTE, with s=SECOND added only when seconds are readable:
h=10 m=6 s=22
